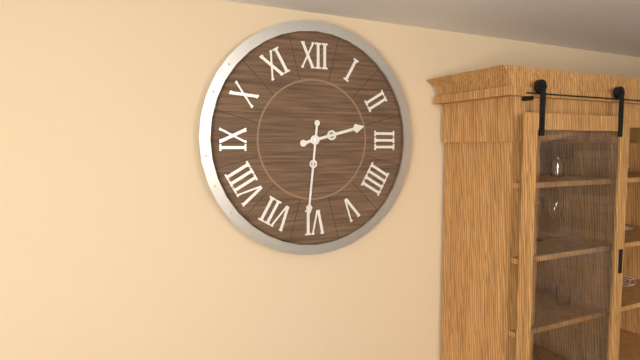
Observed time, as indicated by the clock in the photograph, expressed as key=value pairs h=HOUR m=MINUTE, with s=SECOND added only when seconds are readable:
h=2 m=31
